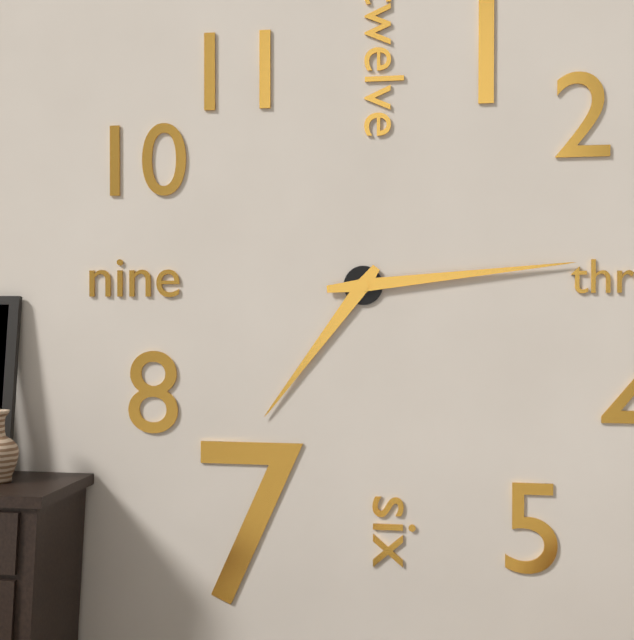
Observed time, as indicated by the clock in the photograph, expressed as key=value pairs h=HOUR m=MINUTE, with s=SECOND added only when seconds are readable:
h=7 m=14
